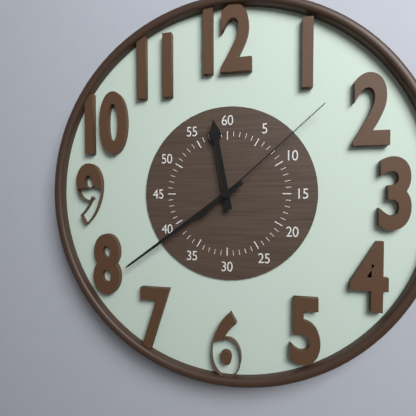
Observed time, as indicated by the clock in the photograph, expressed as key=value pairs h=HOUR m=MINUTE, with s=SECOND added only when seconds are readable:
h=11 m=39 s=8
